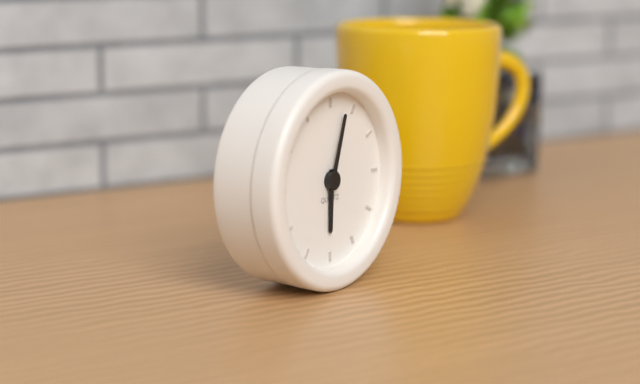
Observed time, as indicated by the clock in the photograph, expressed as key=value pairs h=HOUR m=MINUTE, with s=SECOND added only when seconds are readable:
h=6 m=3
